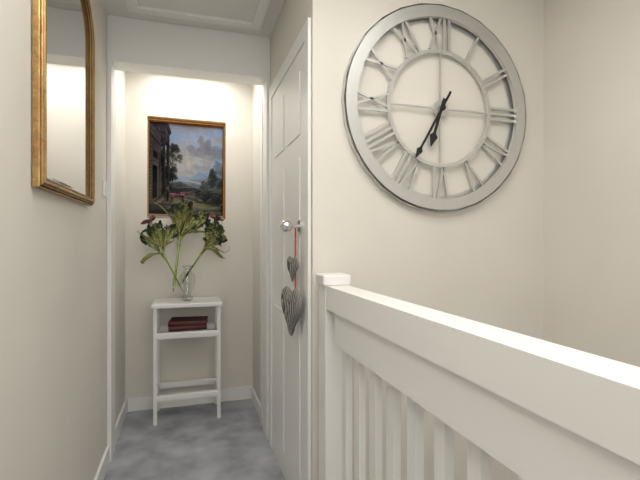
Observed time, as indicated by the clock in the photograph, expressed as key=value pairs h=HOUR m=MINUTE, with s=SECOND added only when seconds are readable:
h=6 m=35
